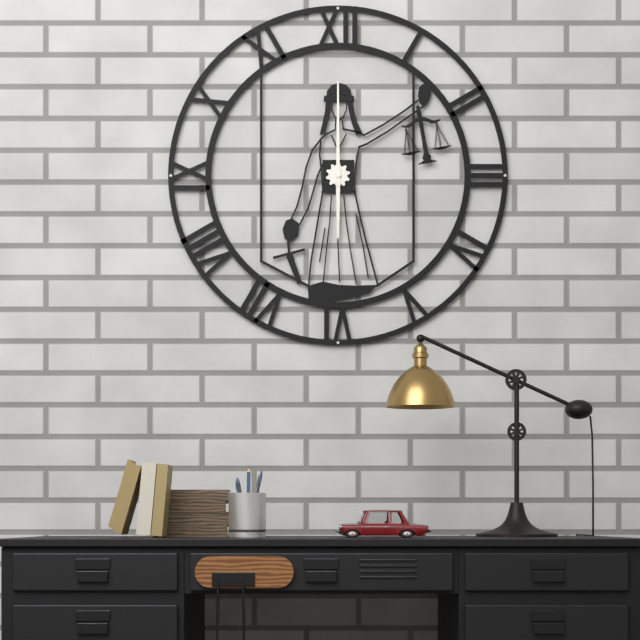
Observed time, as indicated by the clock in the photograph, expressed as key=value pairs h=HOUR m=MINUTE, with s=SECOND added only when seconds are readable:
h=6 m=0
